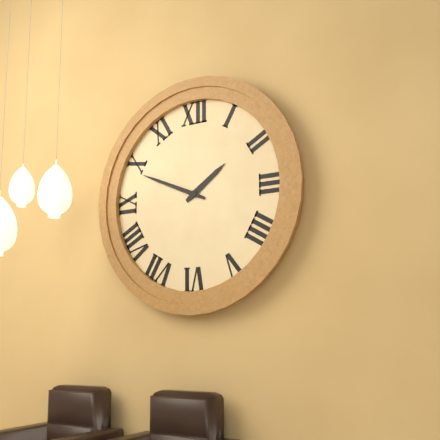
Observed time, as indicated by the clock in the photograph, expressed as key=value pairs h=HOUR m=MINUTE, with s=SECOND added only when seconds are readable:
h=1 m=49
